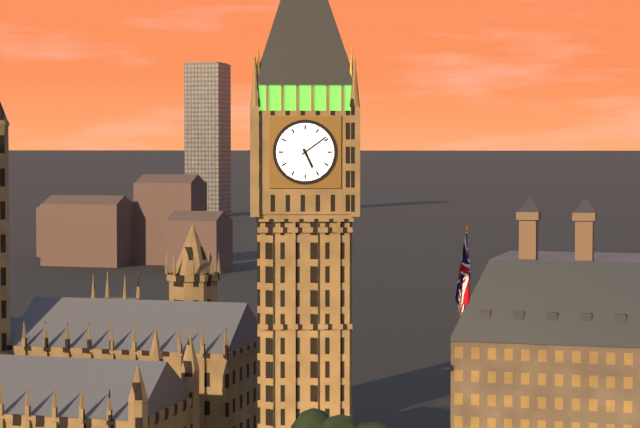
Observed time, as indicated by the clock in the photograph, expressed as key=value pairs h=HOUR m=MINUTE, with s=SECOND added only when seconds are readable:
h=5 m=9
